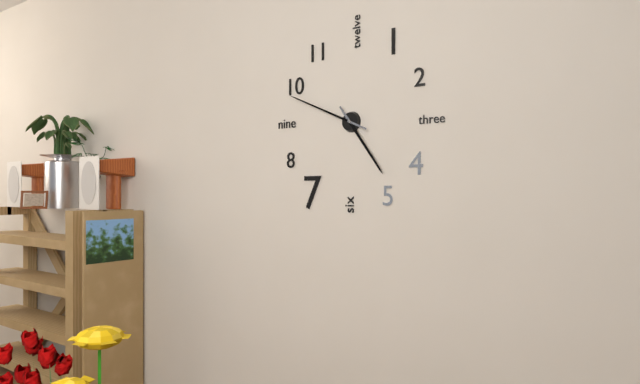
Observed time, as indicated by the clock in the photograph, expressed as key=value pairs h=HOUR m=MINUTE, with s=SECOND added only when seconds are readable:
h=4 m=49
